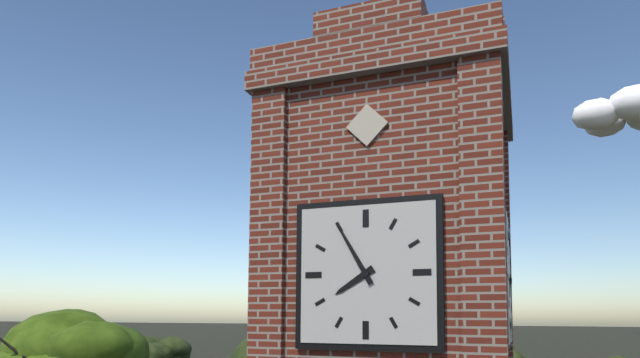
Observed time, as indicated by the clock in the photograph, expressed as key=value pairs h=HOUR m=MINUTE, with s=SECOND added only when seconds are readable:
h=7 m=55
